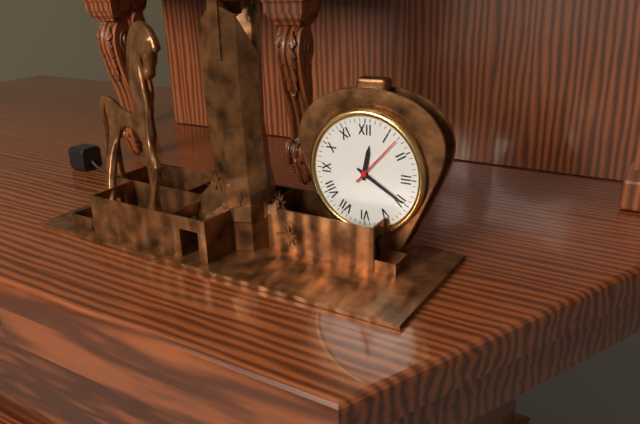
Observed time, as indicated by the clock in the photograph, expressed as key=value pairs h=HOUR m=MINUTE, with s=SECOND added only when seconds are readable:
h=12 m=20
